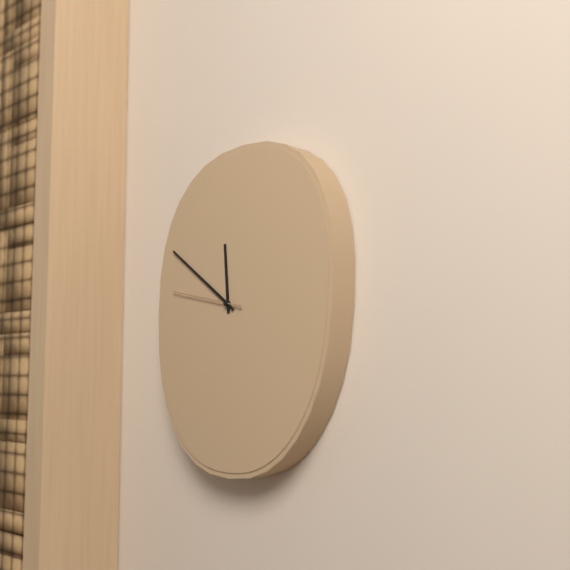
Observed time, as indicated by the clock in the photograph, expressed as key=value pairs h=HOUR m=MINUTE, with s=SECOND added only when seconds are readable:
h=11 m=51 s=47
